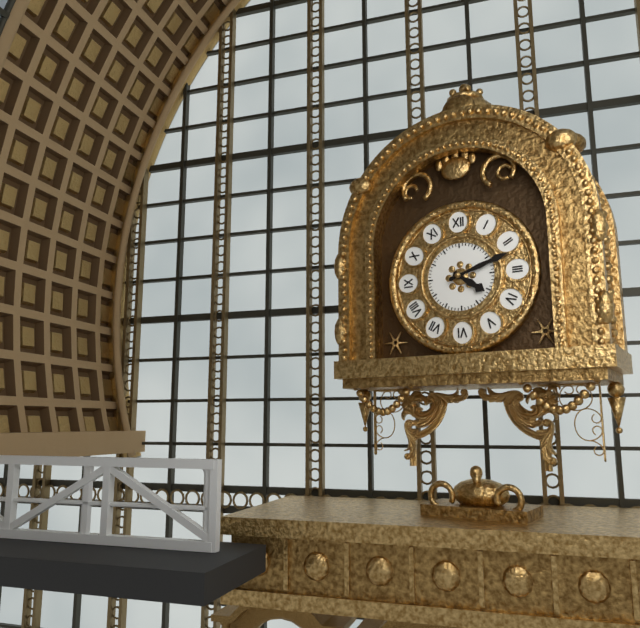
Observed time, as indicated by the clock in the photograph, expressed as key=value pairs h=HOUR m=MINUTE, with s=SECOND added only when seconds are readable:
h=4 m=12
